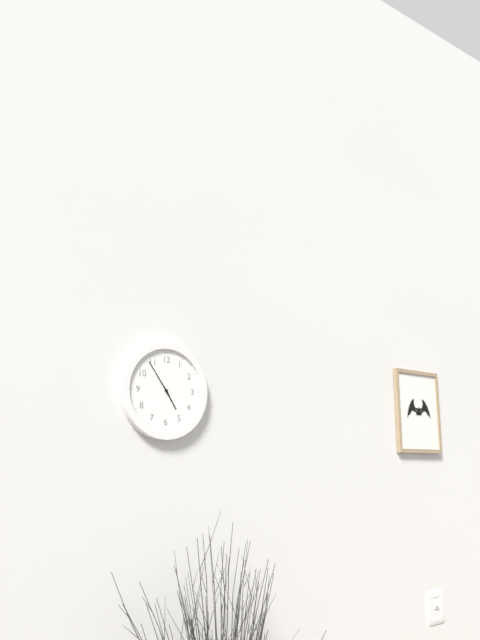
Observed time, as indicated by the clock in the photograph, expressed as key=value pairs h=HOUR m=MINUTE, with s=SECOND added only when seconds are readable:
h=4 m=54
